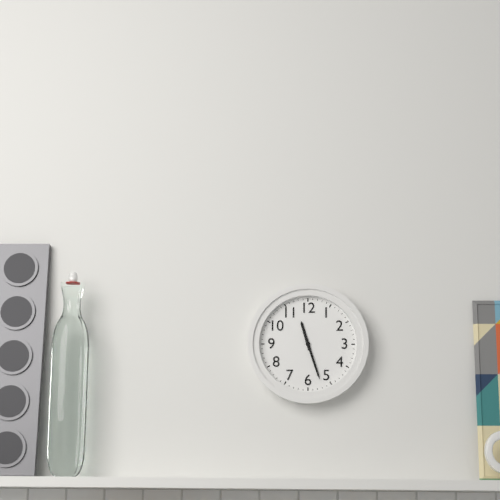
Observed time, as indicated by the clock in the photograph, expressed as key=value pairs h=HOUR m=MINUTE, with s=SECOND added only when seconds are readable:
h=11 m=27
